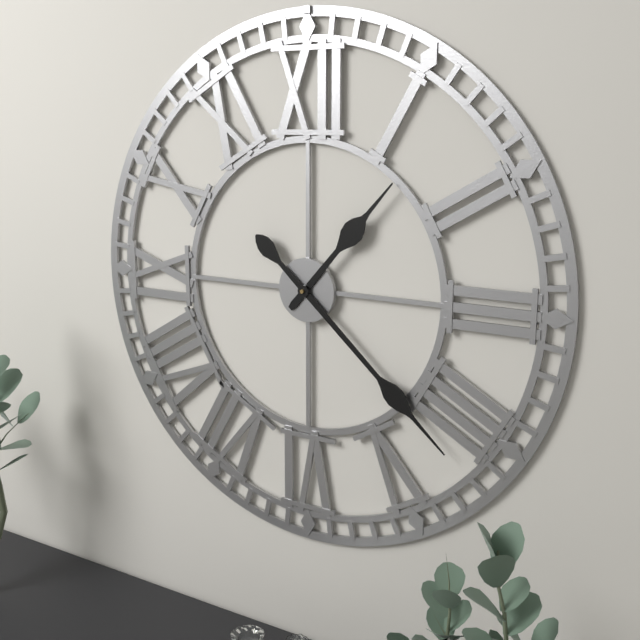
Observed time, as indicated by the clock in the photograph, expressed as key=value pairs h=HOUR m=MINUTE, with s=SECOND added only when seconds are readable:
h=1 m=22
